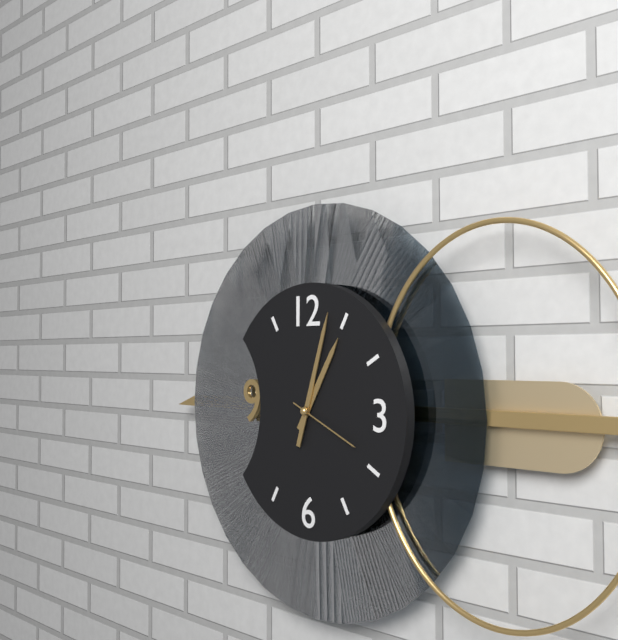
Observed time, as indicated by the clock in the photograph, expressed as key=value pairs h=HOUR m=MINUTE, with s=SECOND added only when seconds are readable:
h=1 m=3 s=19
